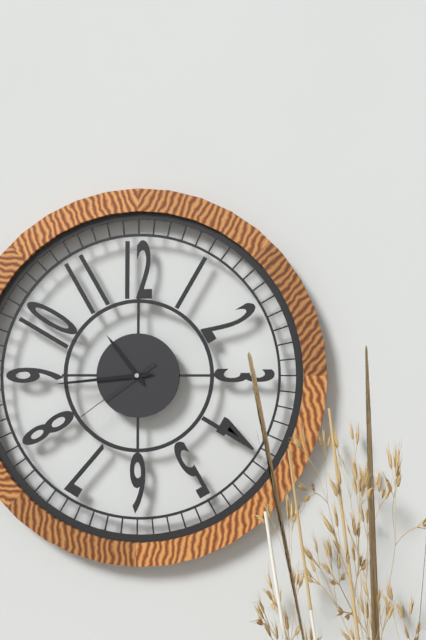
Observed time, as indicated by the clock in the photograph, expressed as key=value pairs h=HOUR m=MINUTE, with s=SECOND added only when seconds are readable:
h=10 m=44 s=39
